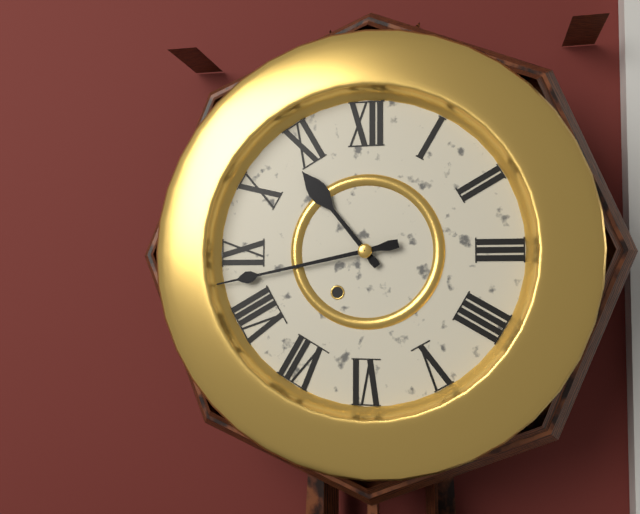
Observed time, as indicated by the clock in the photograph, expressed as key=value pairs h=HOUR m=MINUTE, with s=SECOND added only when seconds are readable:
h=10 m=43
